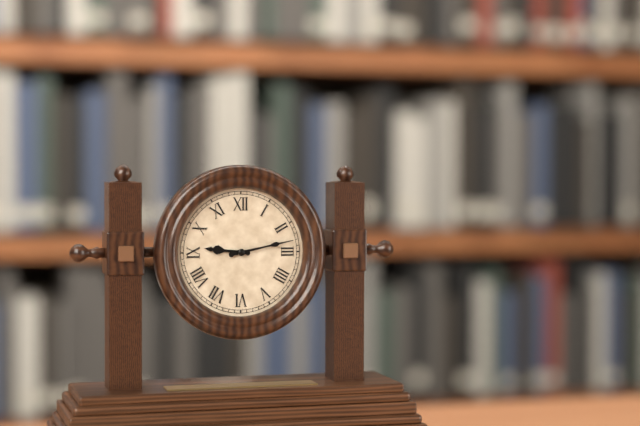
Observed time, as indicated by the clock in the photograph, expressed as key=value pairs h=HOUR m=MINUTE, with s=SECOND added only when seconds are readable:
h=9 m=13
